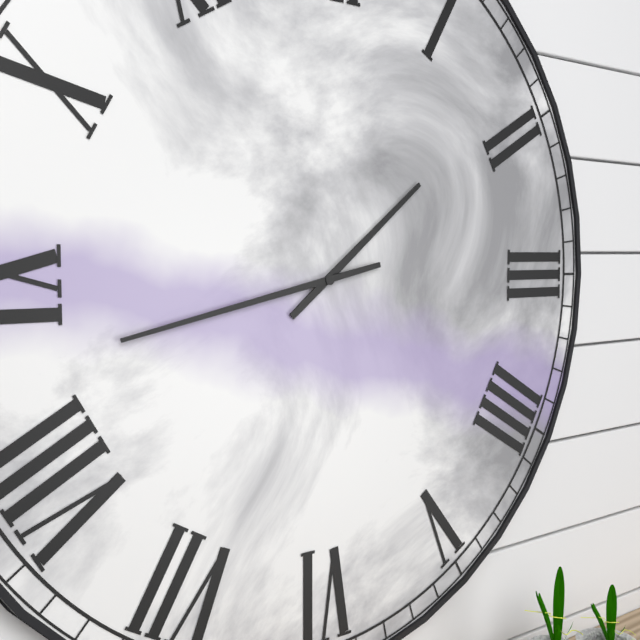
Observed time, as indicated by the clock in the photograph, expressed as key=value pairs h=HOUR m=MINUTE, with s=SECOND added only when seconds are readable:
h=1 m=43
